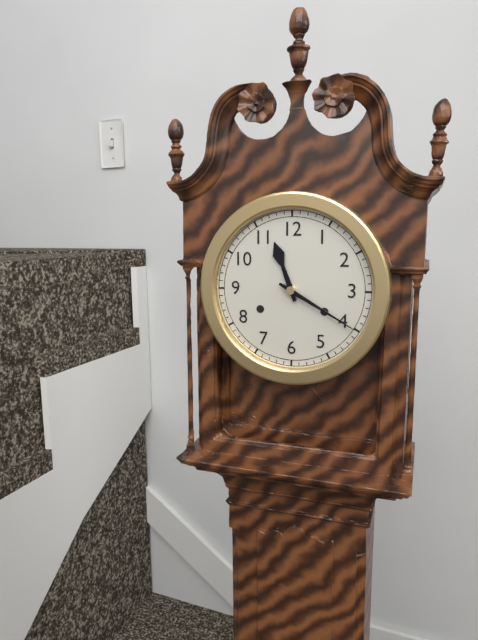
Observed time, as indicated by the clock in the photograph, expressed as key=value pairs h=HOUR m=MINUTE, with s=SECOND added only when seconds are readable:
h=11 m=20
